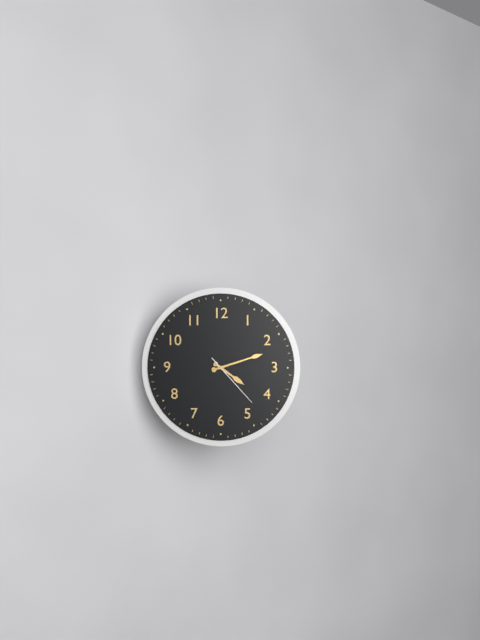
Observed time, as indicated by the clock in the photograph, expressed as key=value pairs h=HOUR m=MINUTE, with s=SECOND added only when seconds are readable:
h=4 m=12 s=23
